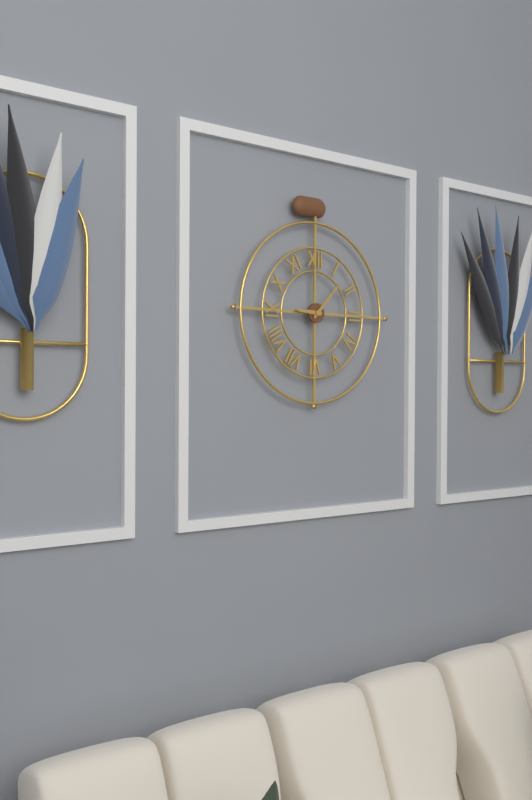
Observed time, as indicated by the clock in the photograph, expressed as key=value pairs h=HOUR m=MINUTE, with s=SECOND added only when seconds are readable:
h=9 m=7
